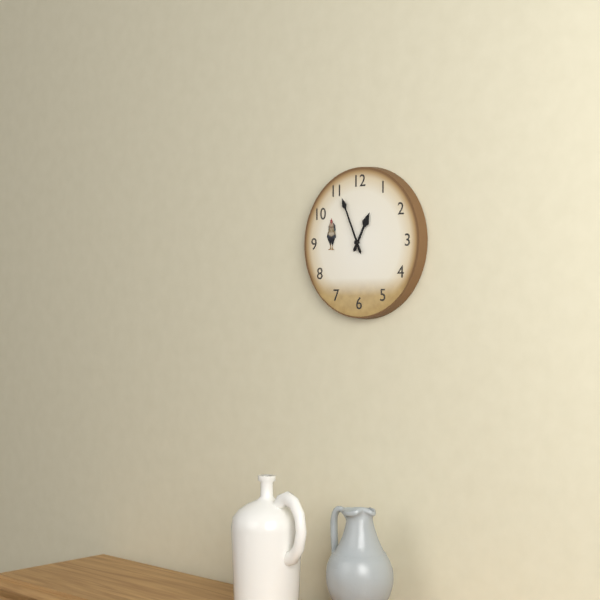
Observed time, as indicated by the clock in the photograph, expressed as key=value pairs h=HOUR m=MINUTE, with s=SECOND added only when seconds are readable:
h=12 m=56
